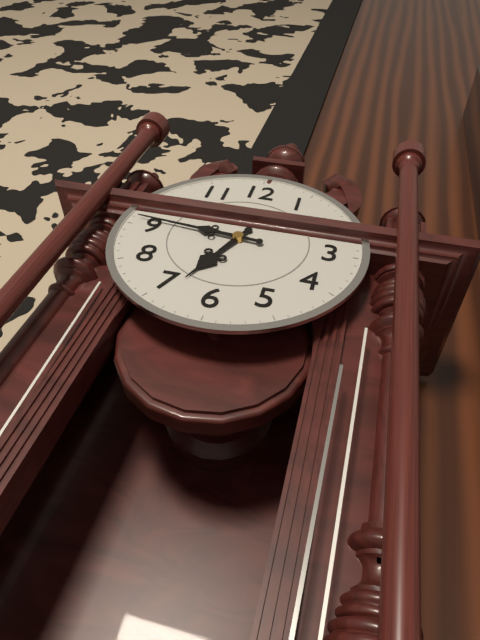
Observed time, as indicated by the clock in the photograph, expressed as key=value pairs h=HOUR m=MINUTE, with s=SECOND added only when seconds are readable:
h=6 m=46
